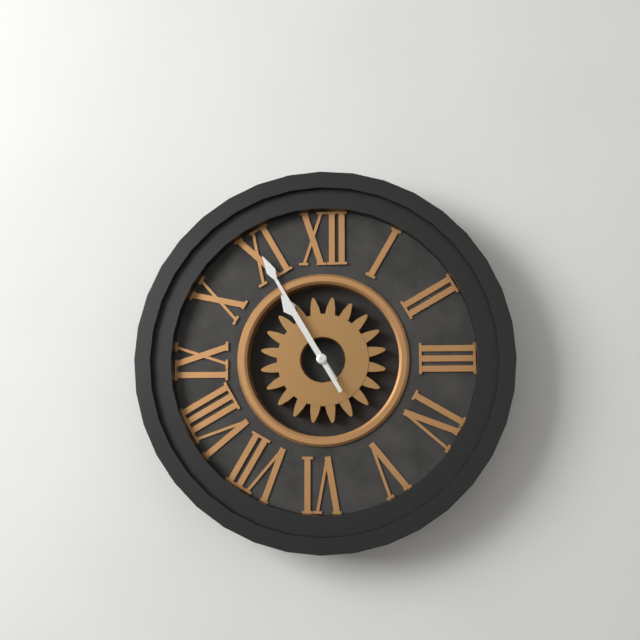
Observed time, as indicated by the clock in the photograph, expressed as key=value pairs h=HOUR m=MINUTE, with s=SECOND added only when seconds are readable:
h=10 m=55
